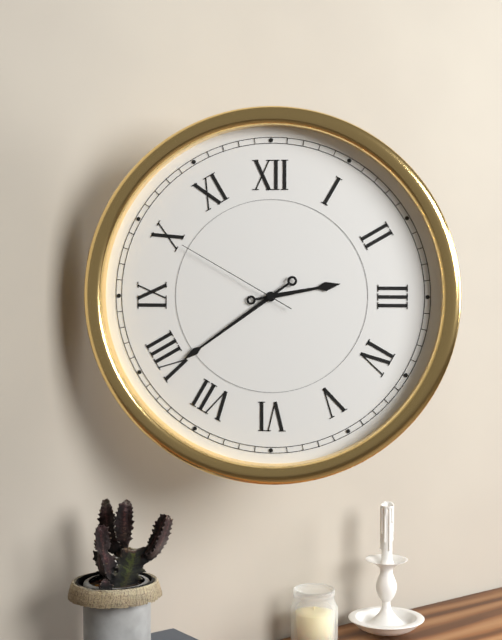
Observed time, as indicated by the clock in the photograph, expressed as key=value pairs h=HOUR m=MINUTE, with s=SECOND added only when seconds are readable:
h=2 m=39 s=50
